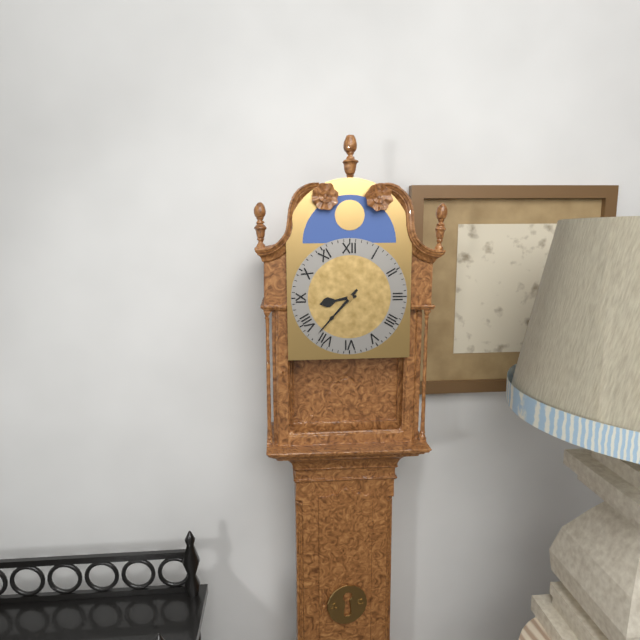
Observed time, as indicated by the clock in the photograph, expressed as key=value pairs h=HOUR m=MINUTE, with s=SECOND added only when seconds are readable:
h=8 m=37
